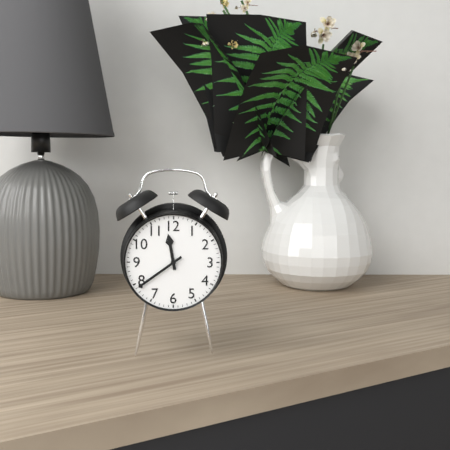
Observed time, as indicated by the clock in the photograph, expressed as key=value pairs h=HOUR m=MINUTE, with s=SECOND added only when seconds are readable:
h=11 m=39
